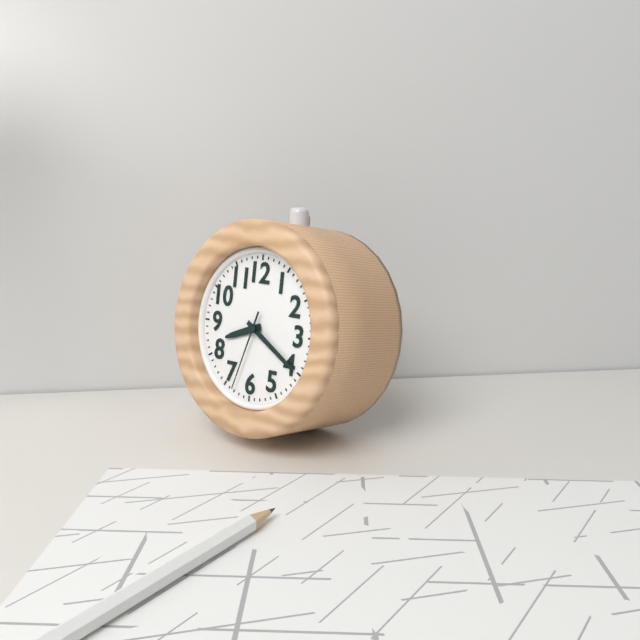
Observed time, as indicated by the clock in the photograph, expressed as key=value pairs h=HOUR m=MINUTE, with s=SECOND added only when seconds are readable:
h=8 m=20 s=33
